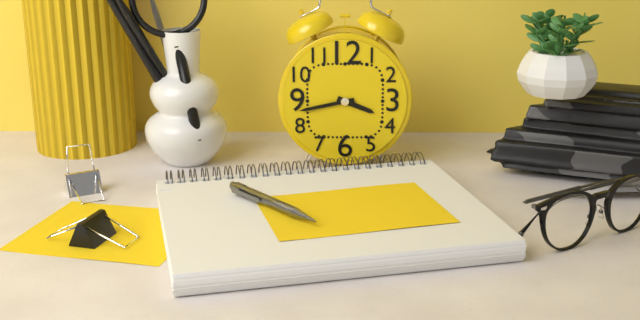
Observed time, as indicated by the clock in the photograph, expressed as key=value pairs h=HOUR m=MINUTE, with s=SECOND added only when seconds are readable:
h=3 m=43
